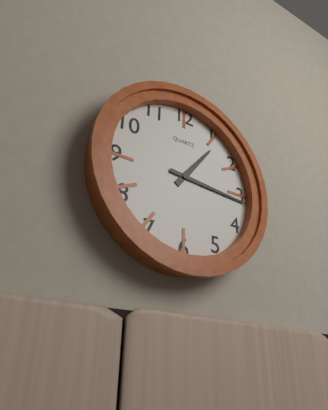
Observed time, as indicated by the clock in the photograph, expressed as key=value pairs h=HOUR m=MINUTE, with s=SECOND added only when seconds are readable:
h=1 m=16
